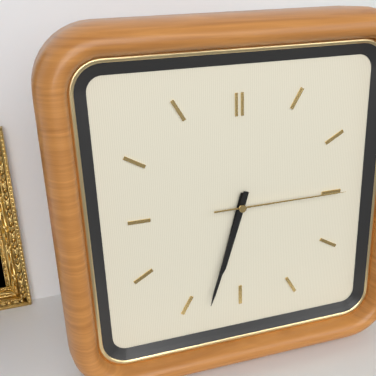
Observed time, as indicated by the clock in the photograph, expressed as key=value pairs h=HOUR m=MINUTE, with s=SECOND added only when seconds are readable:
h=6 m=33 s=15
